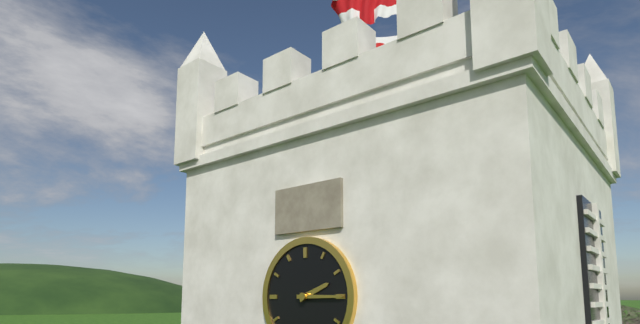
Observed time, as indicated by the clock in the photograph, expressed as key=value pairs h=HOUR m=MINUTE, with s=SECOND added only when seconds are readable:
h=2 m=15
